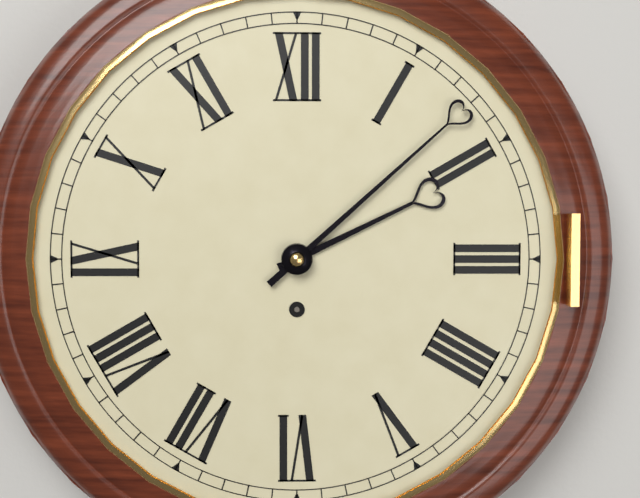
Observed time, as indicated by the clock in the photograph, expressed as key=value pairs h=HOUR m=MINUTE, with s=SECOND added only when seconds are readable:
h=2 m=8
